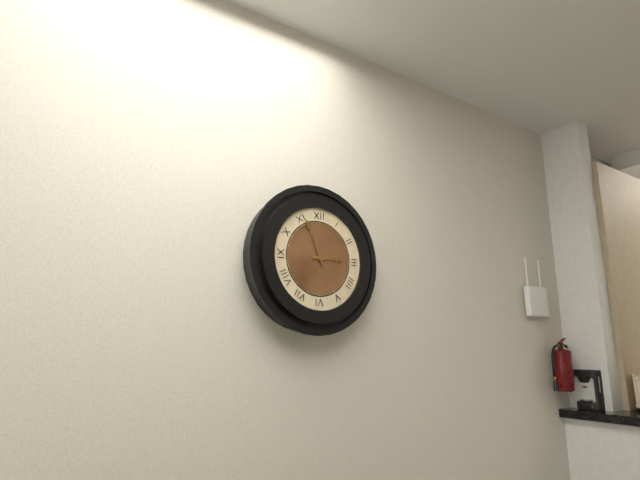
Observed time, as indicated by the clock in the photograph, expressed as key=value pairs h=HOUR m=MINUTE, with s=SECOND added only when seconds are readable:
h=2 m=56
